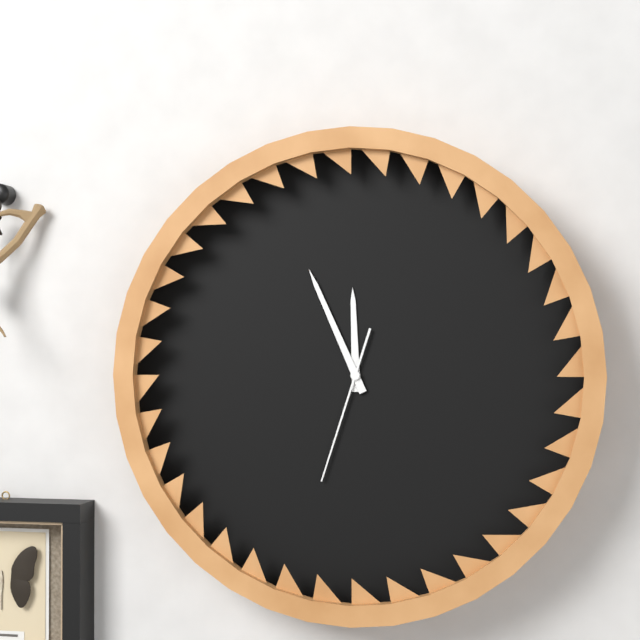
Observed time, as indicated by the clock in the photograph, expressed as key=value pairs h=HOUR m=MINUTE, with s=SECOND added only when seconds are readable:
h=11 m=56 s=33
